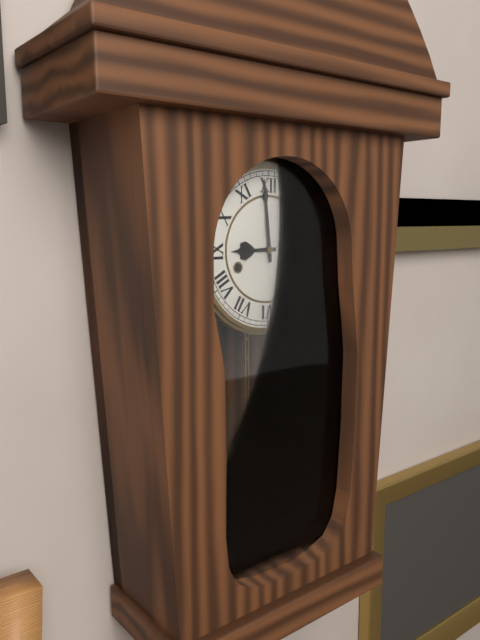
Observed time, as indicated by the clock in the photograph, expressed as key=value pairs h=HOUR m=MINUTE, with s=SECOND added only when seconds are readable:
h=8 m=59
